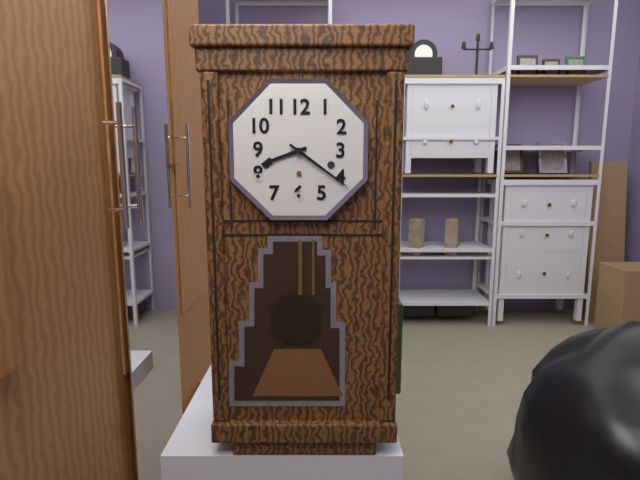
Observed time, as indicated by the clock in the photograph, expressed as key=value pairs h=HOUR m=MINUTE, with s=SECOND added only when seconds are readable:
h=8 m=21
